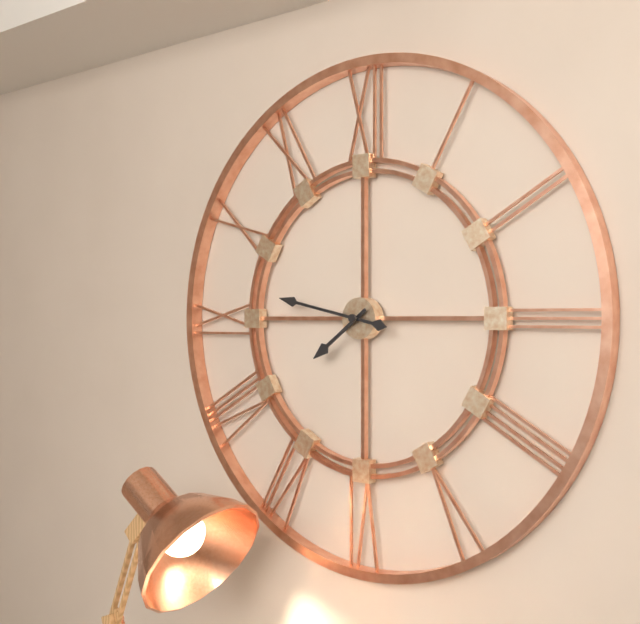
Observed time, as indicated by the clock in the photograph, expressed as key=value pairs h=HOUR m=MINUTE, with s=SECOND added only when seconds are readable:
h=7 m=47
